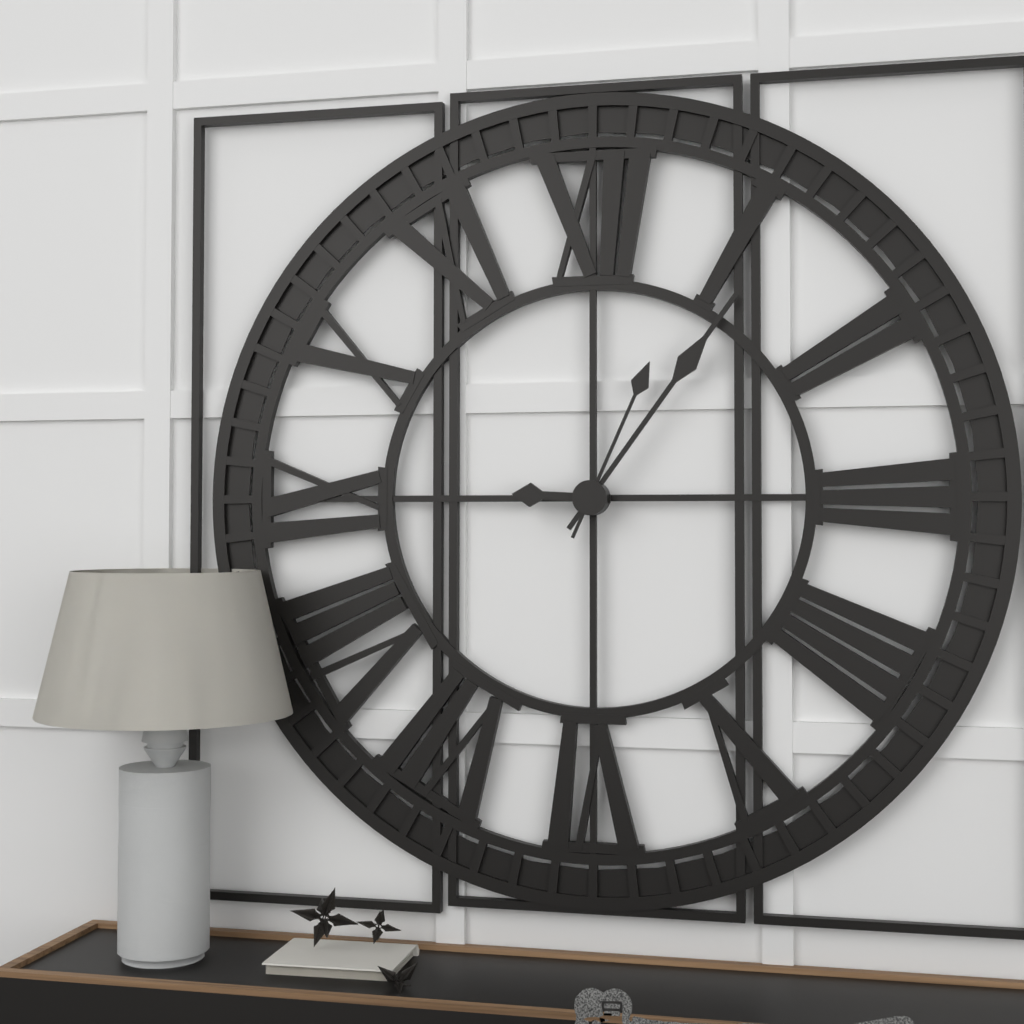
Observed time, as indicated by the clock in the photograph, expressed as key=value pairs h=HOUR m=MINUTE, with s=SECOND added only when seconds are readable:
h=9 m=6 s=4
